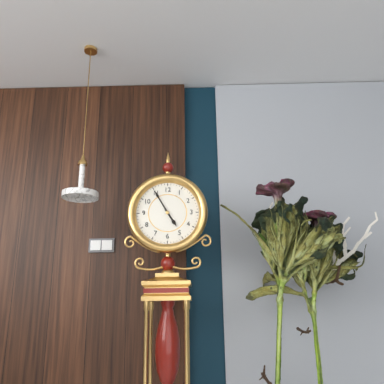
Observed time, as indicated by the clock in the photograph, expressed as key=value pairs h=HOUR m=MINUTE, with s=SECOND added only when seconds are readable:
h=4 m=55
